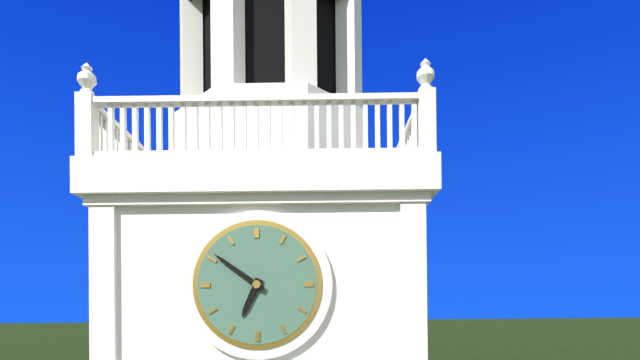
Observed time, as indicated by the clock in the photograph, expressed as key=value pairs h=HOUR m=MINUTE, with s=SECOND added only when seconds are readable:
h=6 m=51
